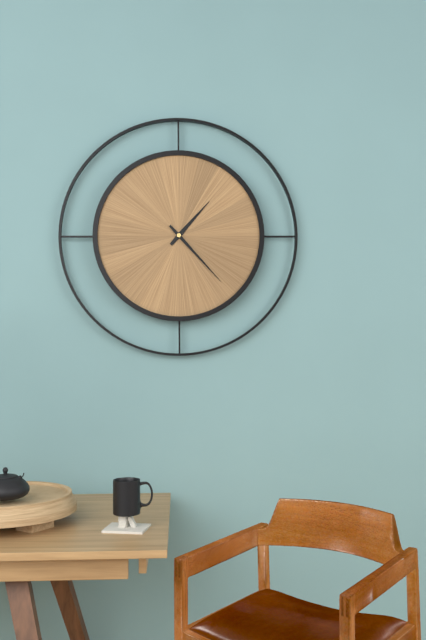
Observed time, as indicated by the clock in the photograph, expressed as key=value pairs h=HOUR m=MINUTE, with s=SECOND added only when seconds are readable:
h=1 m=23
